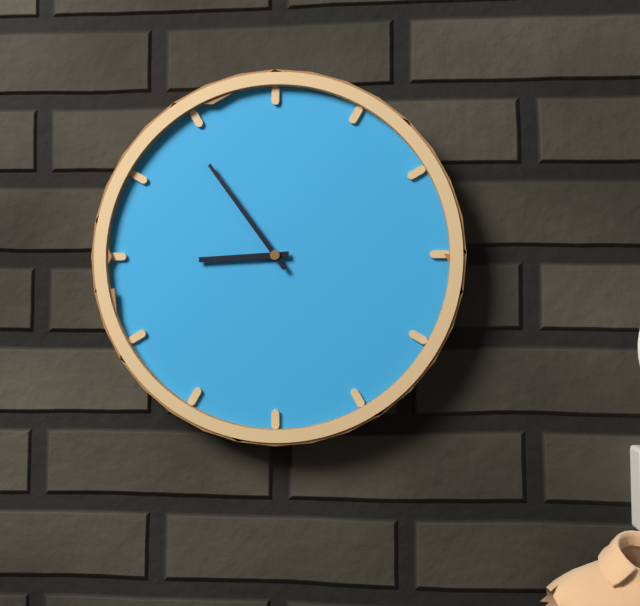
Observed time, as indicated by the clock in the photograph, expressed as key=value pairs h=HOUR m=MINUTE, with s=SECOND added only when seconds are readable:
h=8 m=54
